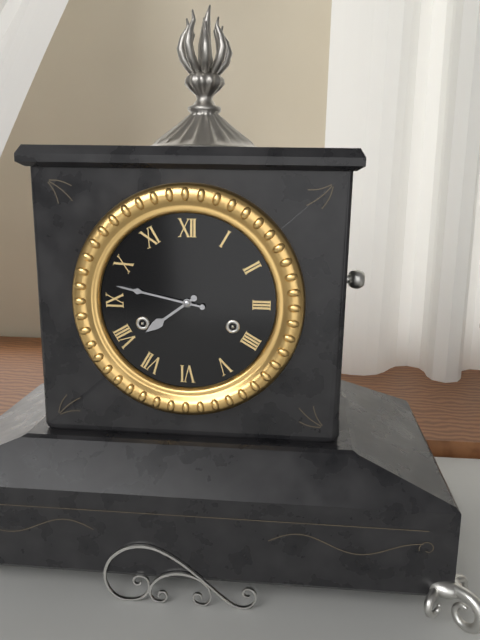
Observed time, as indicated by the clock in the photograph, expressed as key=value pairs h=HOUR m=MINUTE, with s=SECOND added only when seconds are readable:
h=7 m=47
